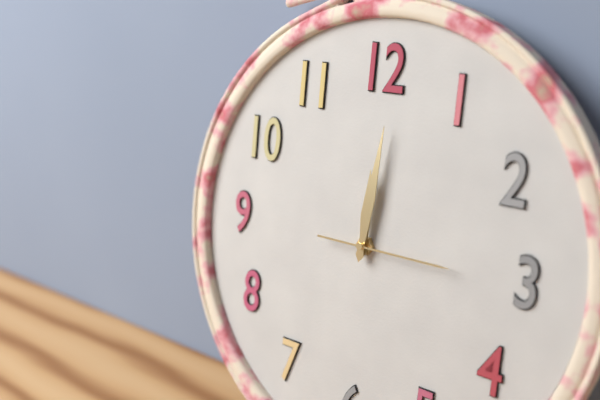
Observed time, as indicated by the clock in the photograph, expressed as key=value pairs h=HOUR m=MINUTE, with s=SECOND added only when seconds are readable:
h=12 m=1 s=15
